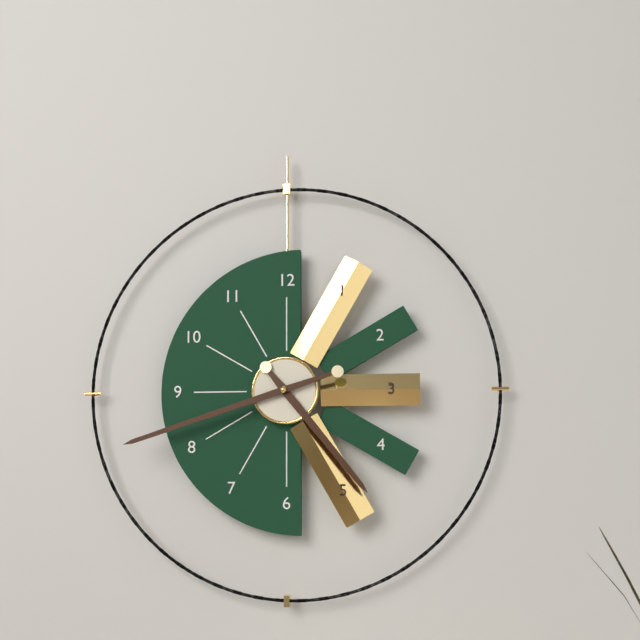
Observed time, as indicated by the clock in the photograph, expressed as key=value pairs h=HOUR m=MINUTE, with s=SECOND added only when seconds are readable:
h=4 m=42
